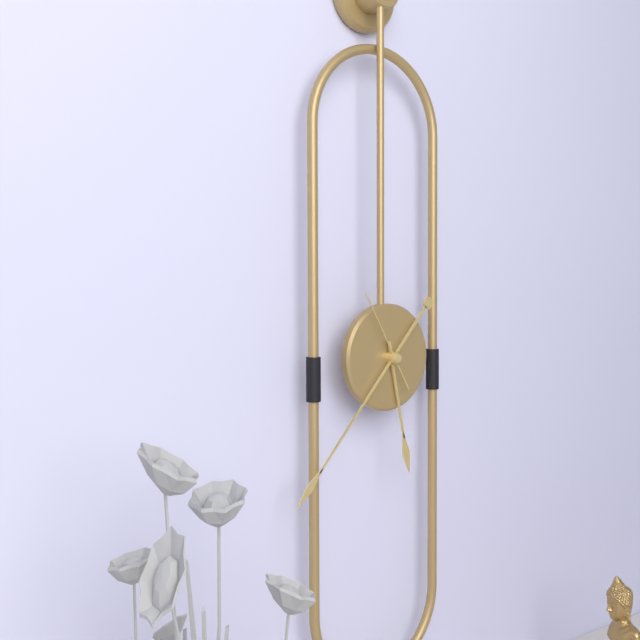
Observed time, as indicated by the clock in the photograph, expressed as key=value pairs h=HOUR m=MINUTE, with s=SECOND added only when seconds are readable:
h=5 m=37 s=55
